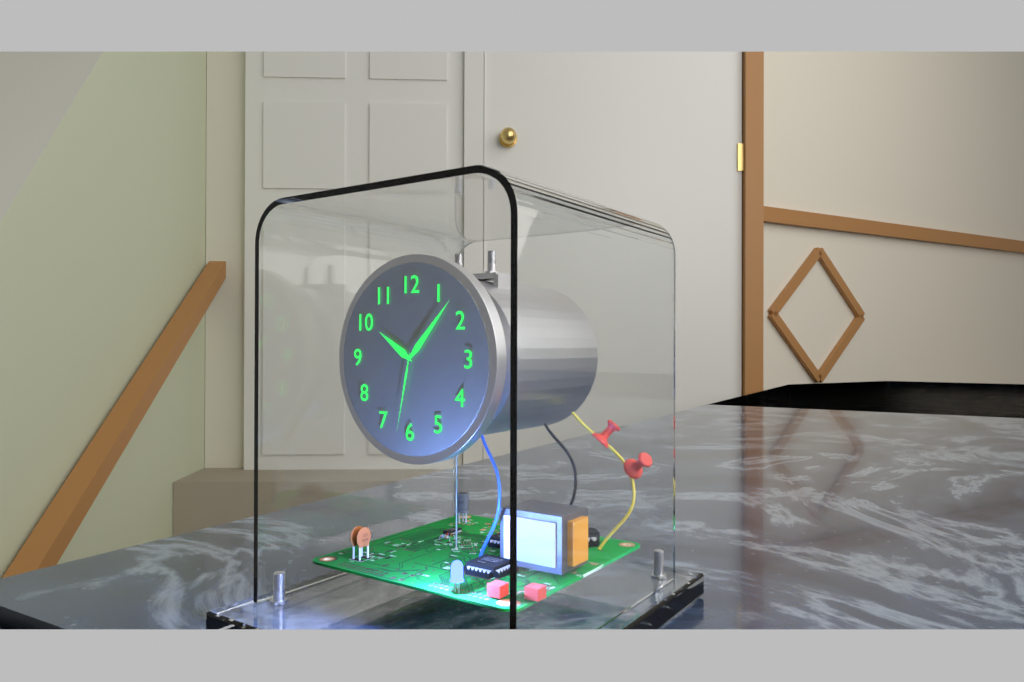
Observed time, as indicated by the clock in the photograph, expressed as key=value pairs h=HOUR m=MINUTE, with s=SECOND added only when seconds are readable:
h=10 m=7 s=32
